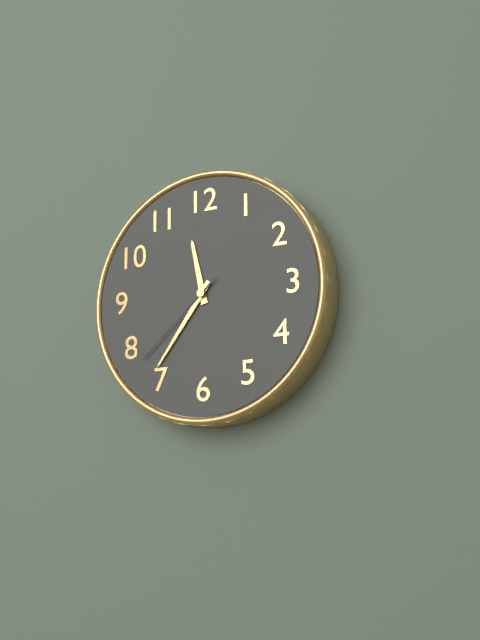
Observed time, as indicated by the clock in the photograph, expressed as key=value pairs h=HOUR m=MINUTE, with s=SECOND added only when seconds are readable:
h=11 m=36 s=38
